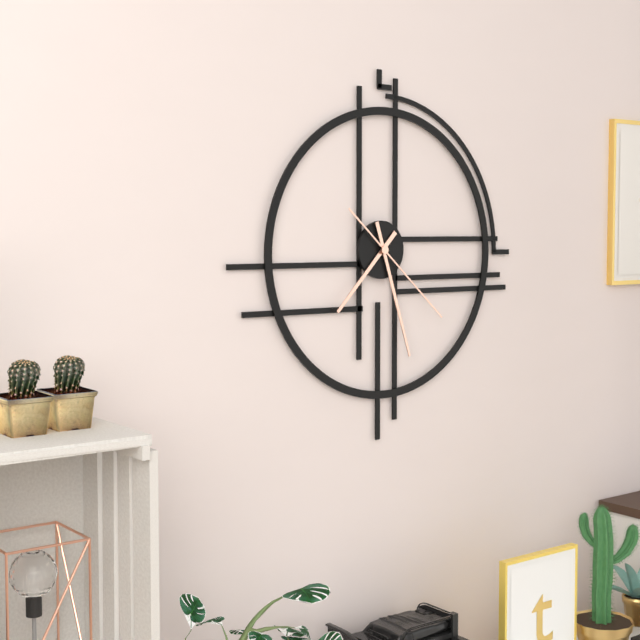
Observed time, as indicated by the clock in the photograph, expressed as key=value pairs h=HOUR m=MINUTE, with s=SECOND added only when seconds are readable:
h=7 m=27 s=22
